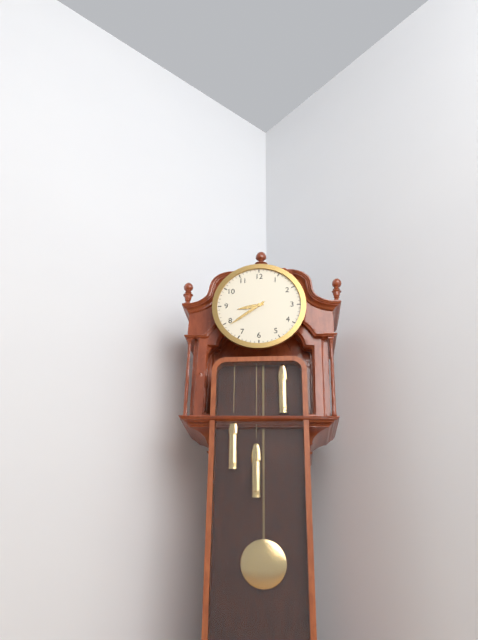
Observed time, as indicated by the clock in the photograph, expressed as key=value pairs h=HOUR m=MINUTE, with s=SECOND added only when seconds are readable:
h=8 m=39
